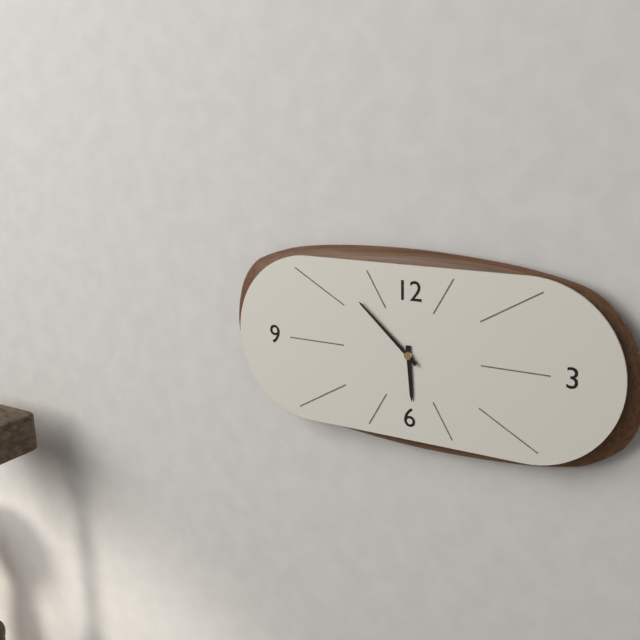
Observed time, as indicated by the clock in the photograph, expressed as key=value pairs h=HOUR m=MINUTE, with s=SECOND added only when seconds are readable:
h=5 m=52
